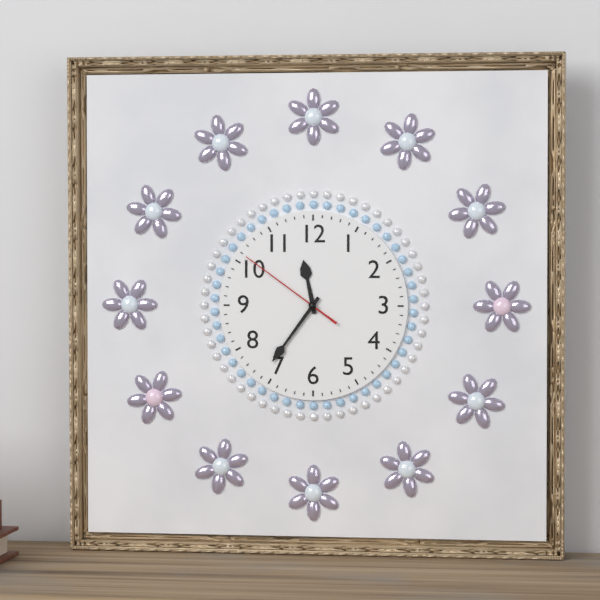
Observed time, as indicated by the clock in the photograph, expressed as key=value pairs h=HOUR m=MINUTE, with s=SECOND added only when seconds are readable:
h=11 m=36 s=51
